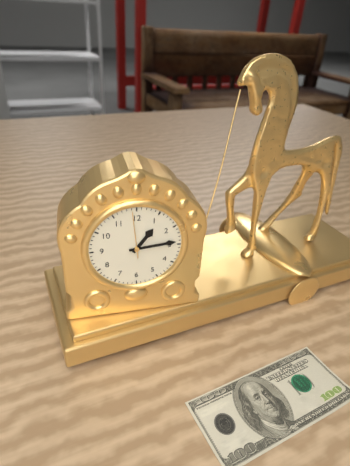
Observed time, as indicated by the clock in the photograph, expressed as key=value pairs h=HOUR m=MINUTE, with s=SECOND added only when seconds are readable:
h=1 m=14
